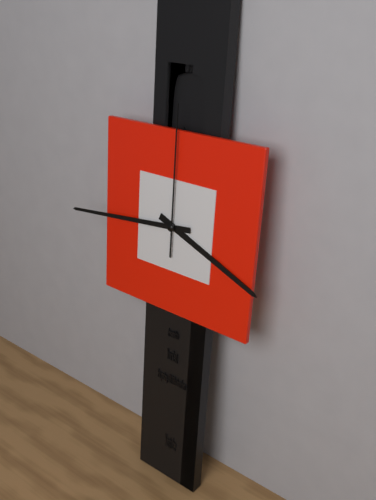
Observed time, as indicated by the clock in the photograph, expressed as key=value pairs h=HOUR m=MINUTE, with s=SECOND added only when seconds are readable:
h=3 m=44 s=0
